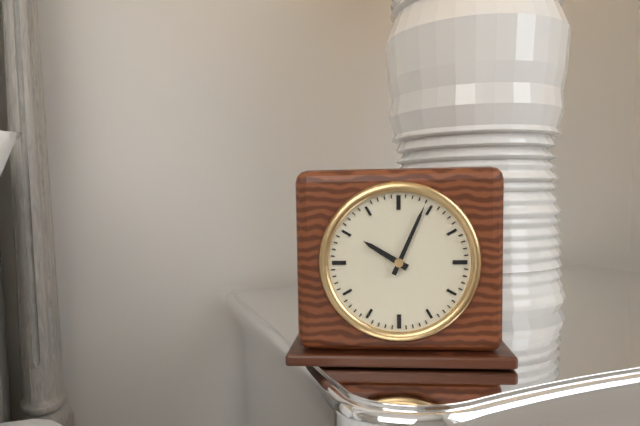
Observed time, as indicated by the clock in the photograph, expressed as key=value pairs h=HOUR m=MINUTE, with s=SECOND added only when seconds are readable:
h=10 m=4
